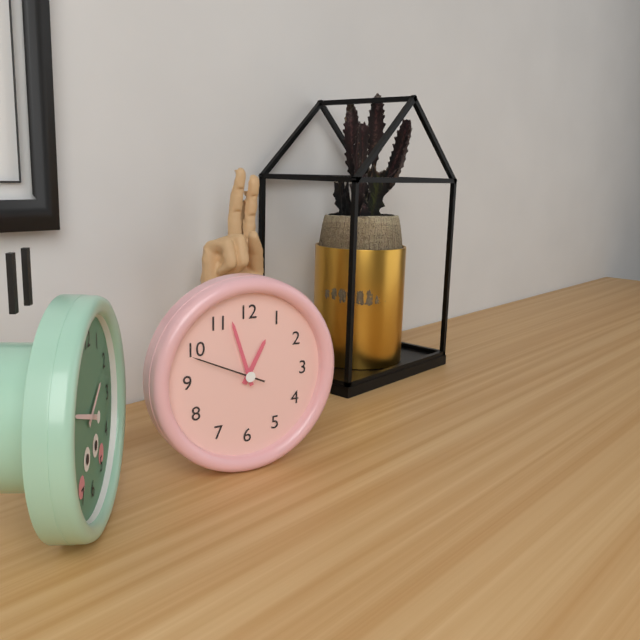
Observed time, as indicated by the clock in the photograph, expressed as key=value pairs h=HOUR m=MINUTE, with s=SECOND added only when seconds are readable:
h=12 m=57 s=49
